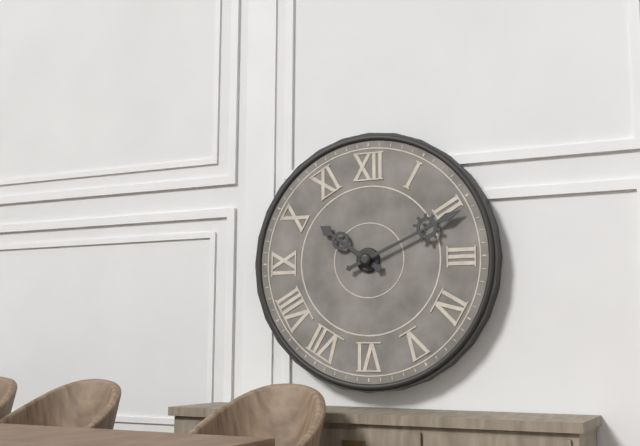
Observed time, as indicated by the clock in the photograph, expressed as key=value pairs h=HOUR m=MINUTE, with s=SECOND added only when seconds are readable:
h=10 m=11
